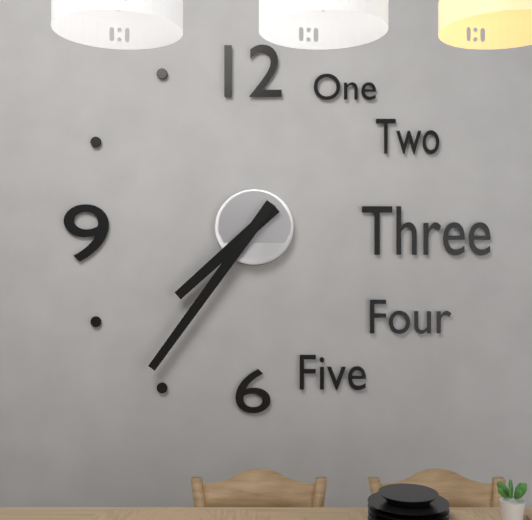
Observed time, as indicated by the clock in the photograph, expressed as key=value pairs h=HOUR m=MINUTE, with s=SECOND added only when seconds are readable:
h=7 m=36
